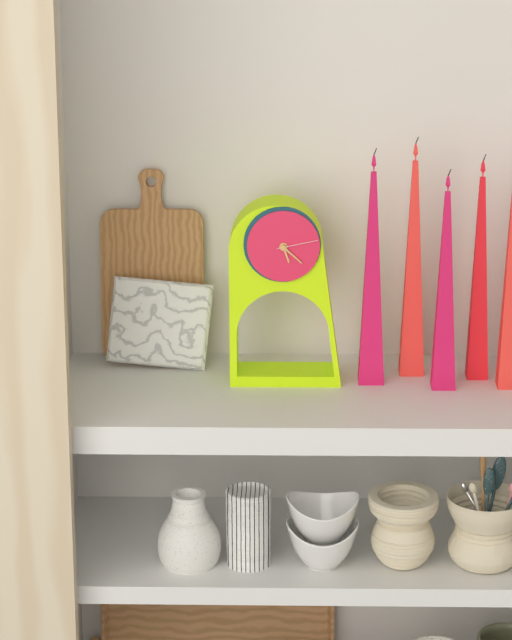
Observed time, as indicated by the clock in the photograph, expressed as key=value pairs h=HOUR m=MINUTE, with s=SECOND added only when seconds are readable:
h=5 m=22
